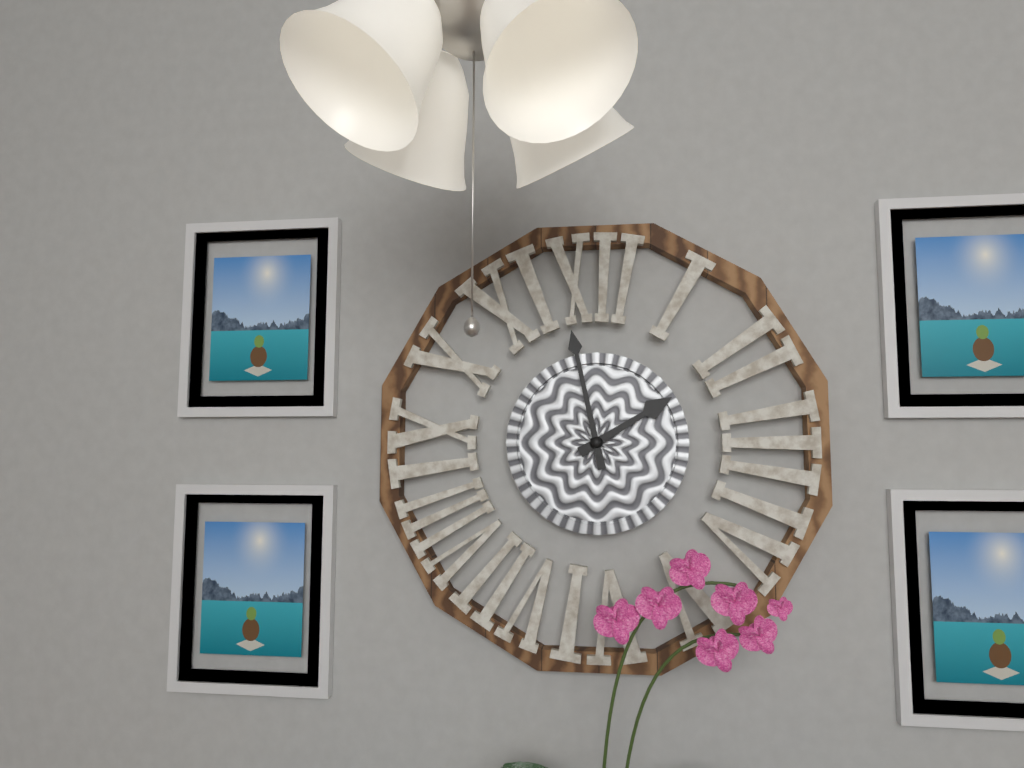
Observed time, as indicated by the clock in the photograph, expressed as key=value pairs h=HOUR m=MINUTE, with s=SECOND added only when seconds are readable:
h=1 m=58
